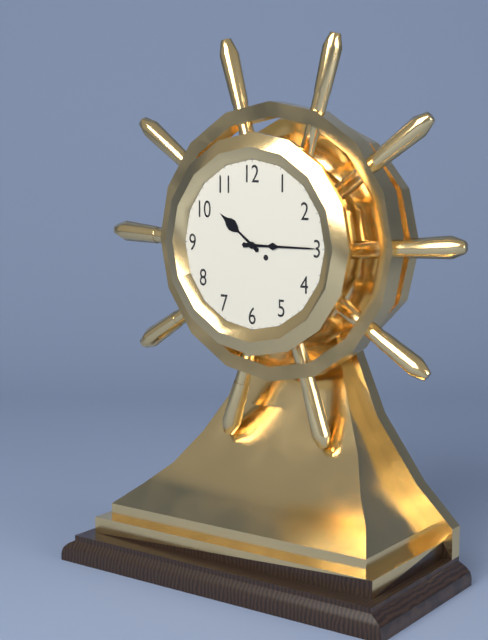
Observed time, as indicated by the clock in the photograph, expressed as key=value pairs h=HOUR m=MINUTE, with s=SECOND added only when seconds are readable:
h=10 m=15
